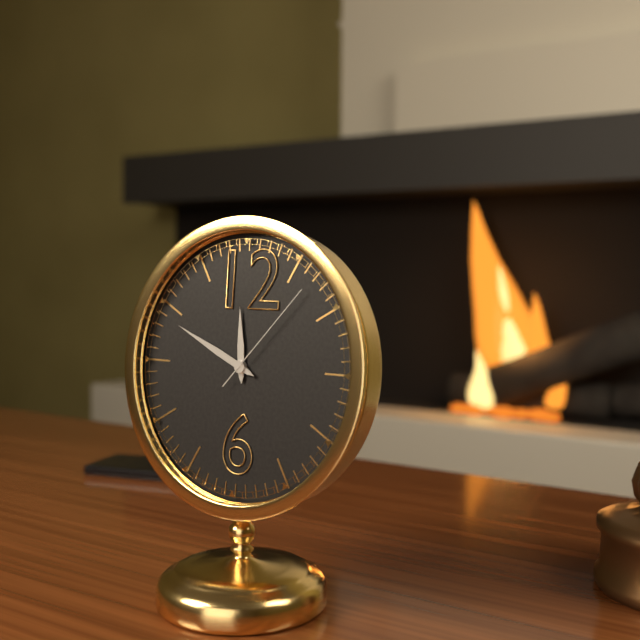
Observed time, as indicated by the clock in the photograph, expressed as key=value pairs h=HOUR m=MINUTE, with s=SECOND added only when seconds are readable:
h=11 m=49 s=7
